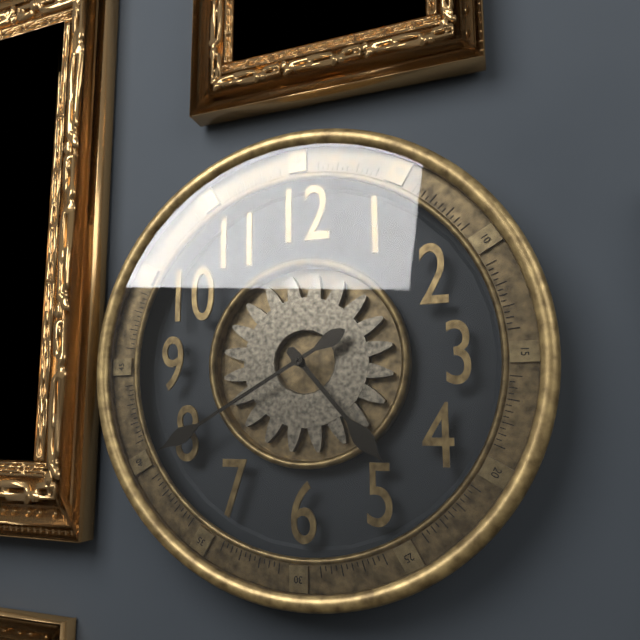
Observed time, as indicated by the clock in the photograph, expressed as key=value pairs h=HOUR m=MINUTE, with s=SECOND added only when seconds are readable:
h=4 m=40
